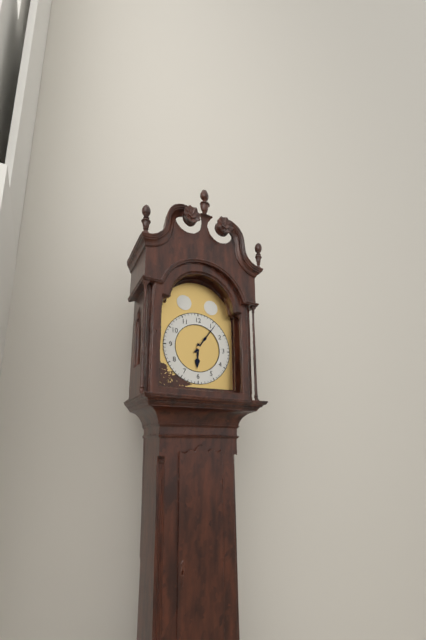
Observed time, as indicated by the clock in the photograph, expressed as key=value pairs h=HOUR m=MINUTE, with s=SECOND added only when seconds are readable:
h=6 m=6
